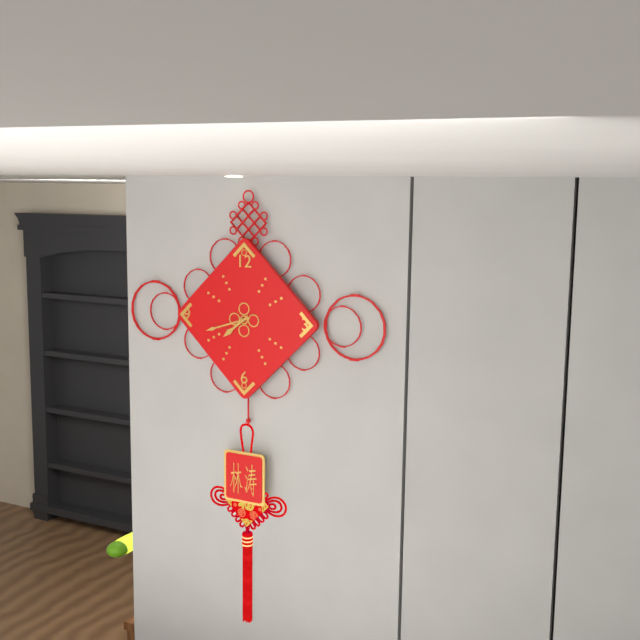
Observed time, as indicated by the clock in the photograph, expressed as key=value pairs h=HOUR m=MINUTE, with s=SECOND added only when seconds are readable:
h=7 m=42
